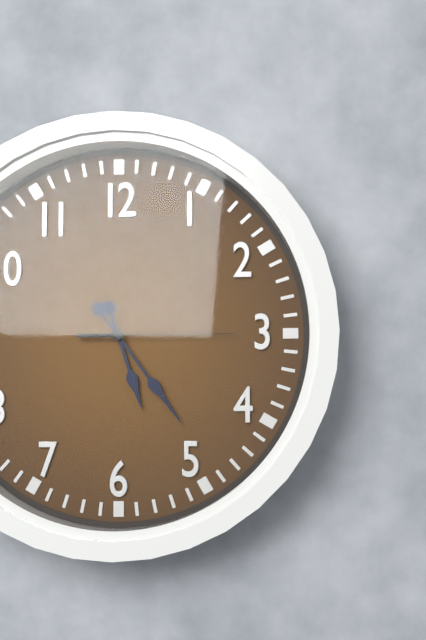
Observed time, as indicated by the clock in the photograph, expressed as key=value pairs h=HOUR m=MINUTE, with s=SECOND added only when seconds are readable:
h=5 m=24 s=15
